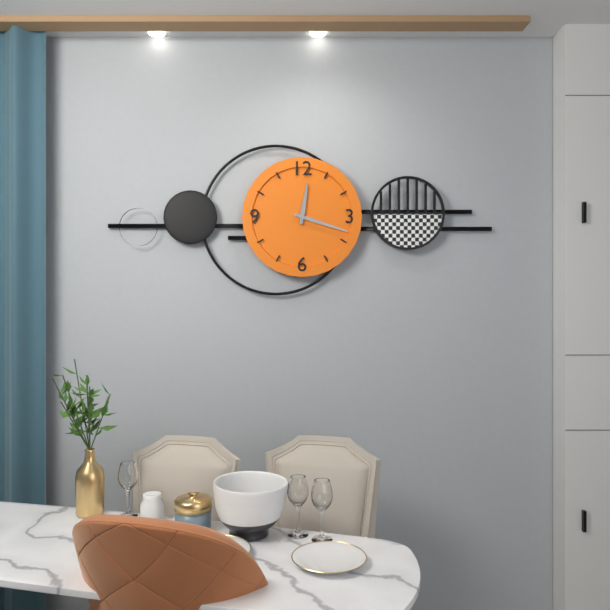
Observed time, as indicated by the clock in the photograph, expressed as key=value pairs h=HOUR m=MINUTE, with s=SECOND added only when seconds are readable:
h=12 m=18
